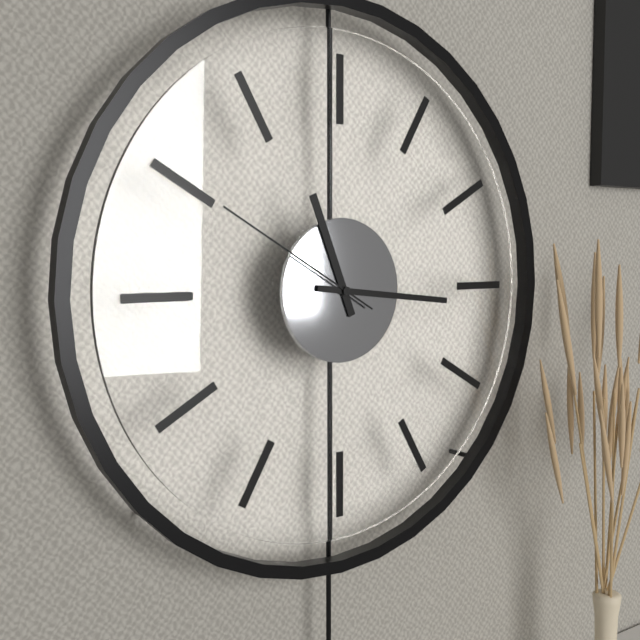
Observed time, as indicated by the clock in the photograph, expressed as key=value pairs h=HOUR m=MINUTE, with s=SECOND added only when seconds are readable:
h=11 m=16 s=50
